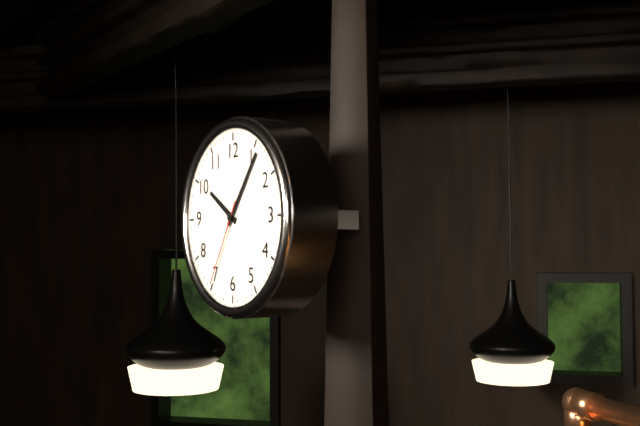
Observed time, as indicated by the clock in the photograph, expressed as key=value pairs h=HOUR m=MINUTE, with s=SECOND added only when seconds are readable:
h=10 m=6 s=35
